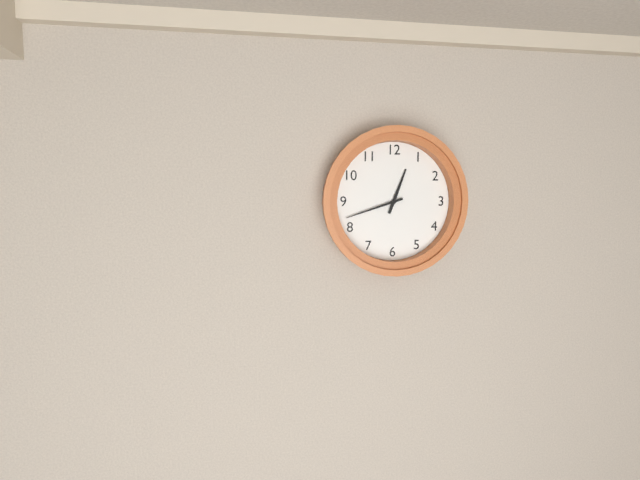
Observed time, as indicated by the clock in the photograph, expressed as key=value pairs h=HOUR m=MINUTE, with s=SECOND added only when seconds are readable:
h=12 m=42
